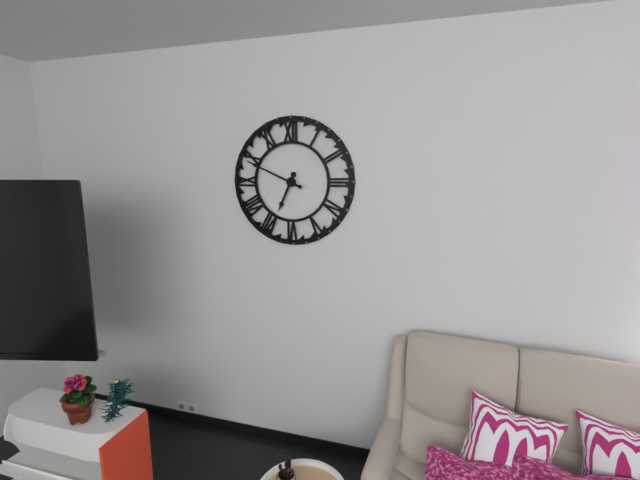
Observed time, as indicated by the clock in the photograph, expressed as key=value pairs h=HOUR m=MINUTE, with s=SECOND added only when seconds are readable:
h=6 m=49
